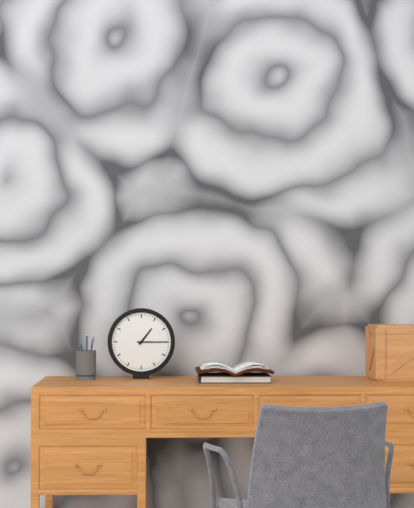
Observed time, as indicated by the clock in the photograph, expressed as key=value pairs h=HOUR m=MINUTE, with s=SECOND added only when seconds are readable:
h=1 m=15
